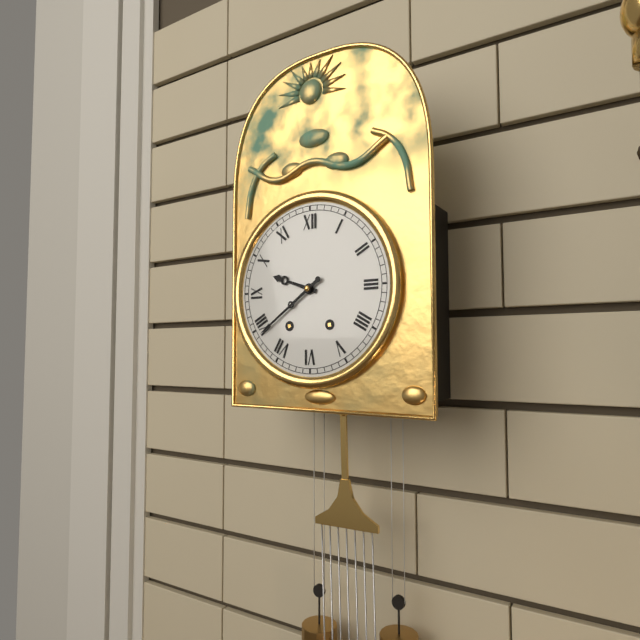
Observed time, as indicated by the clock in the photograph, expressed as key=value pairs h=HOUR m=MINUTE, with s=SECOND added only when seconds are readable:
h=9 m=39
